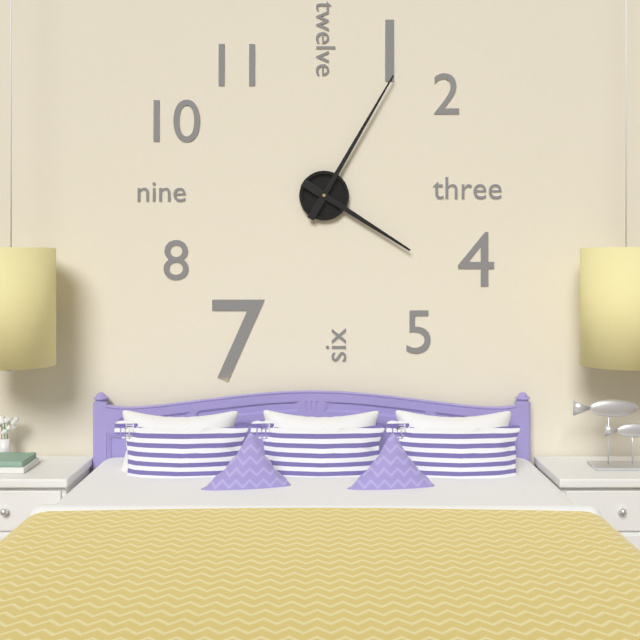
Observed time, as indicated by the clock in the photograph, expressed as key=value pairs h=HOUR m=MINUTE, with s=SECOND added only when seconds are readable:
h=4 m=5
